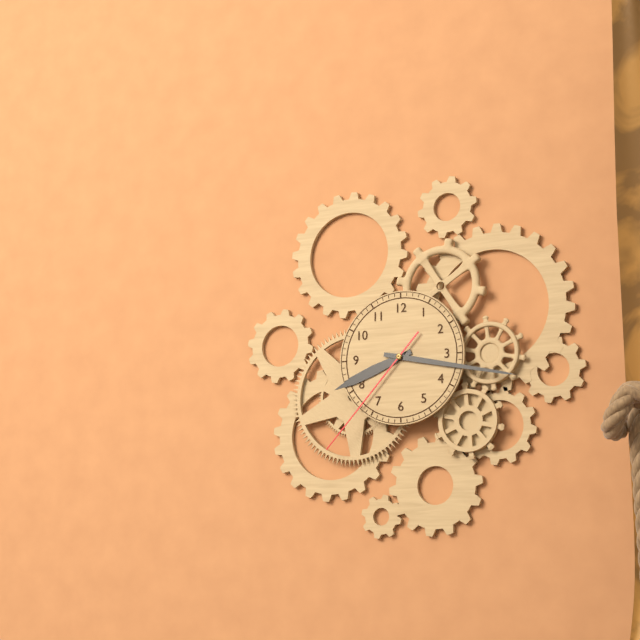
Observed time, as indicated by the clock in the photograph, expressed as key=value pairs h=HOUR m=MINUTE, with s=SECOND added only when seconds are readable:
h=8 m=17 s=37
